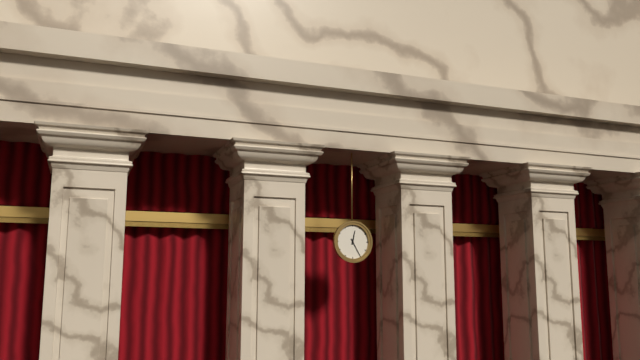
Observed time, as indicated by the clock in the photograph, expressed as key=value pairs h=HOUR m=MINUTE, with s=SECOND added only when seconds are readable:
h=12 m=25
